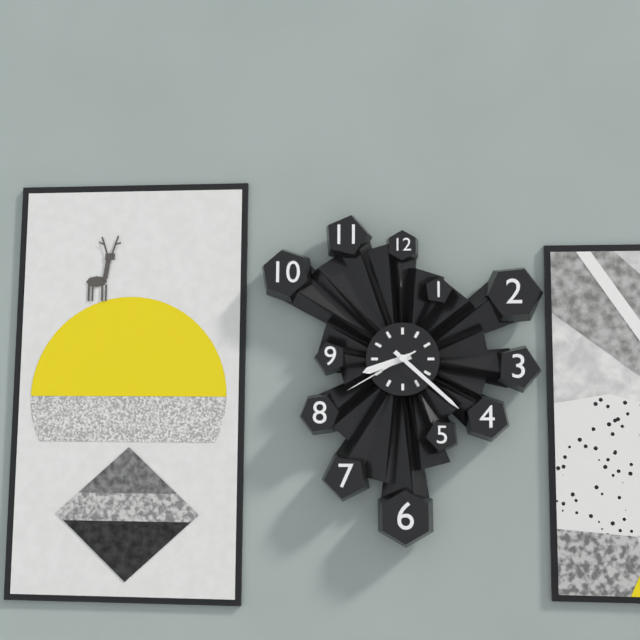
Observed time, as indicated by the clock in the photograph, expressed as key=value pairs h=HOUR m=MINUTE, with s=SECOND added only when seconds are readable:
h=8 m=22 s=40
